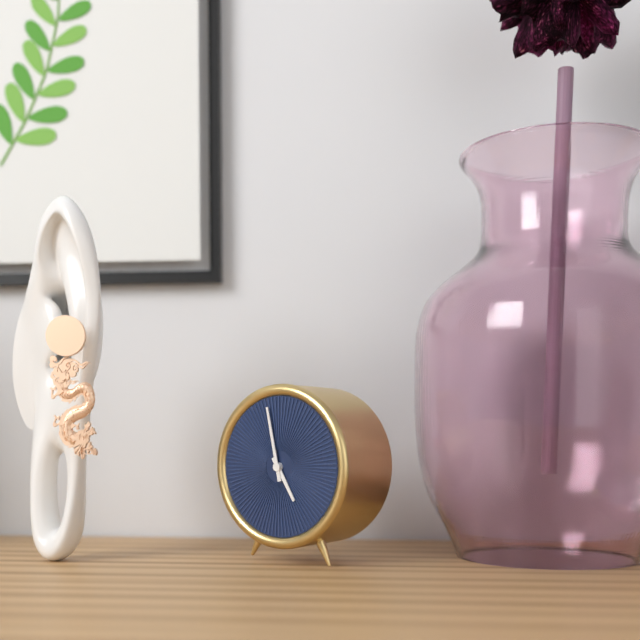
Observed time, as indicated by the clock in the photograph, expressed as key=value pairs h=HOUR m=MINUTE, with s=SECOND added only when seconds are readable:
h=4 m=58
